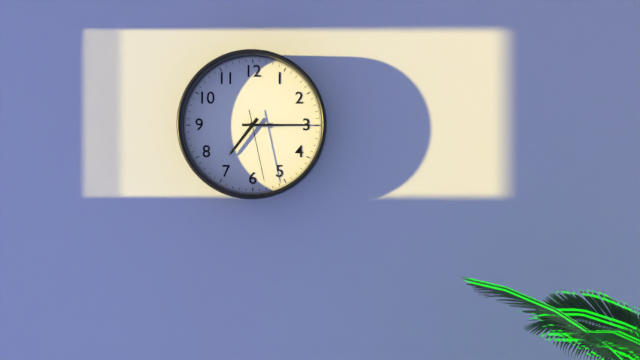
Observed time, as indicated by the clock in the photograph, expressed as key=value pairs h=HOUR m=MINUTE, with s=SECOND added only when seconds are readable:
h=7 m=15 s=28
